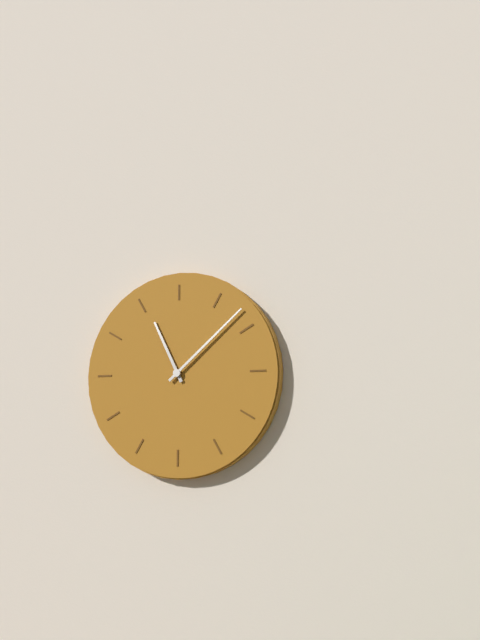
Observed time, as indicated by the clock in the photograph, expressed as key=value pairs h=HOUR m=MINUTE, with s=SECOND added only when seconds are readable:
h=11 m=8
